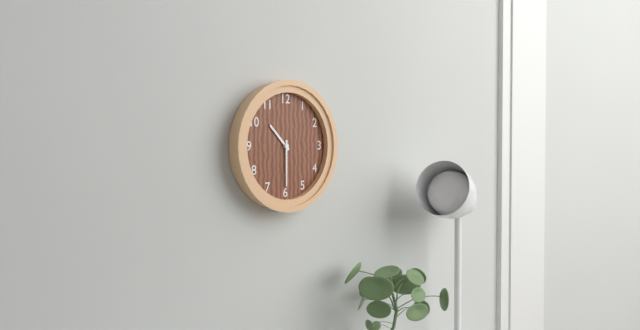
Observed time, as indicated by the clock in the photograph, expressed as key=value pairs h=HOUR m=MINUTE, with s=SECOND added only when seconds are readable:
h=10 m=30
